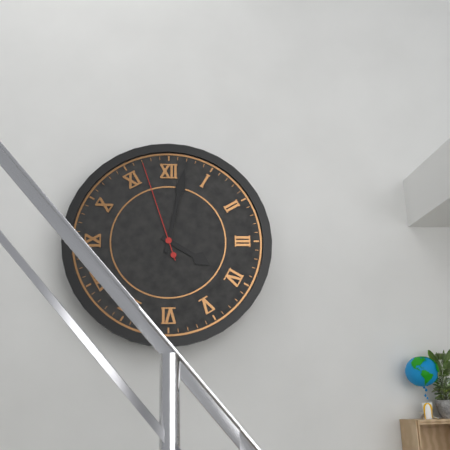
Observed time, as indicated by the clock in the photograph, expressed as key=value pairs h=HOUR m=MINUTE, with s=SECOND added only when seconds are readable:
h=4 m=2 s=57
